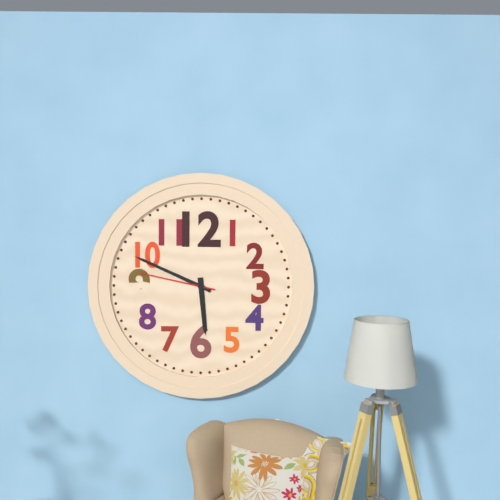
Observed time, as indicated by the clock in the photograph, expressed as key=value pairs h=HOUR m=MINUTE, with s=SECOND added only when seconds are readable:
h=5 m=49 s=47
